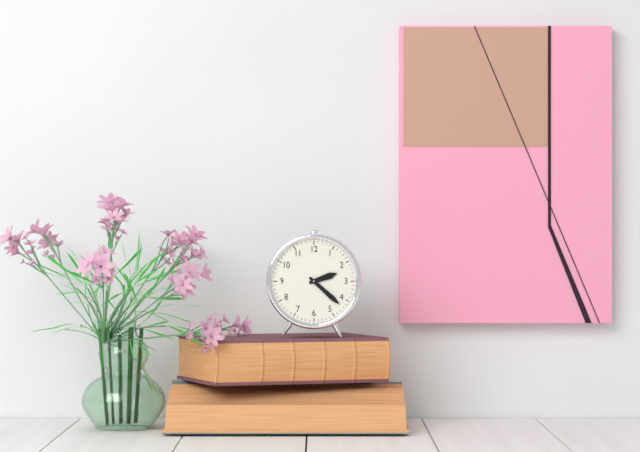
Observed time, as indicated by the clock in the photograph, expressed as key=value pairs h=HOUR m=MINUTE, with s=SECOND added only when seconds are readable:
h=2 m=22
